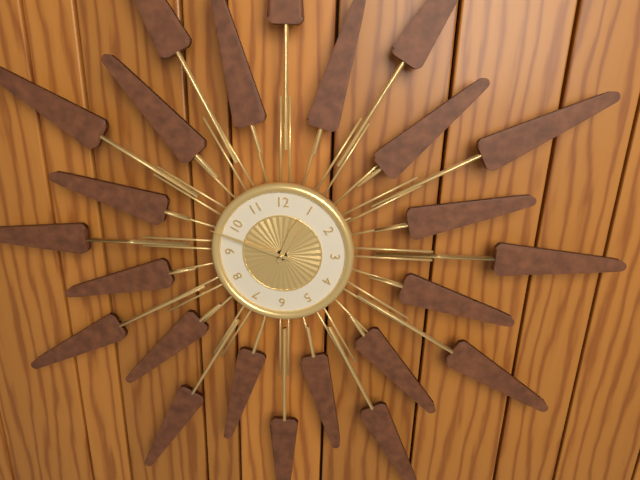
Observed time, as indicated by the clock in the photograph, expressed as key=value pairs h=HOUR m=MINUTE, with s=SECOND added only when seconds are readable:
h=12 m=48
